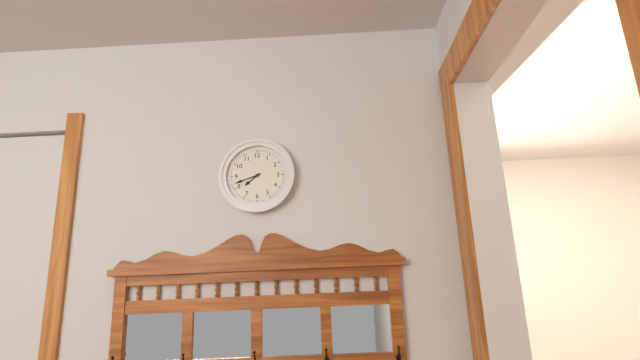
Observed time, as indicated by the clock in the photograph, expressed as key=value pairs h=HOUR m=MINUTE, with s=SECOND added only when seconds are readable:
h=7 m=42
